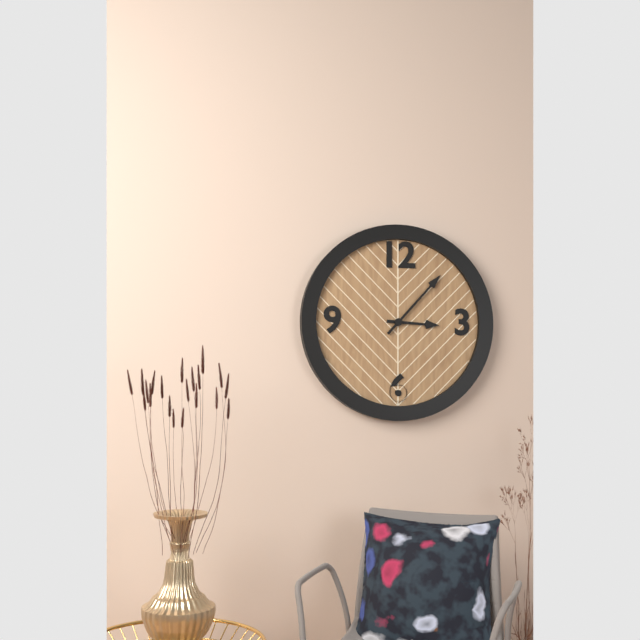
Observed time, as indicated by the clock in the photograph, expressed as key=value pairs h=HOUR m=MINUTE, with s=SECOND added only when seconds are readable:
h=3 m=7
